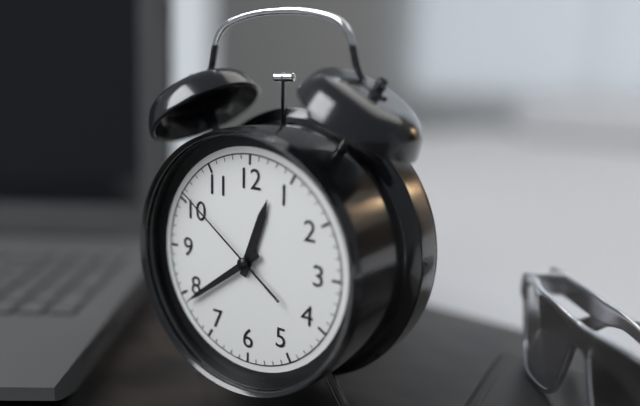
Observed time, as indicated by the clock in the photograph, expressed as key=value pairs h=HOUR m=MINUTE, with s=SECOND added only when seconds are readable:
h=12 m=39 s=51
